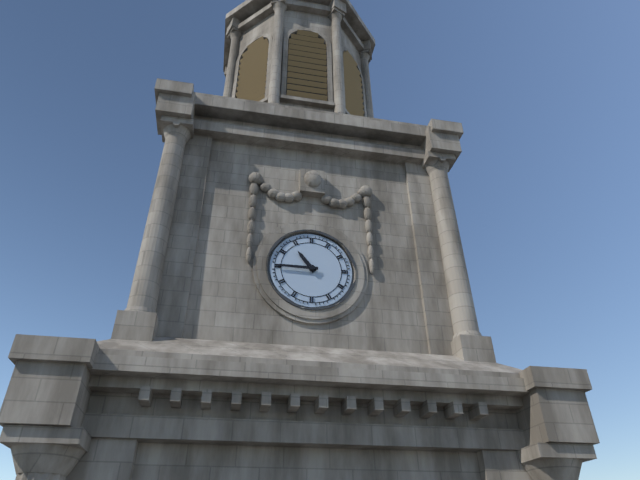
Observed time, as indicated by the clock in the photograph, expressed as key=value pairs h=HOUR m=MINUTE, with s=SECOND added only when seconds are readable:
h=10 m=45
